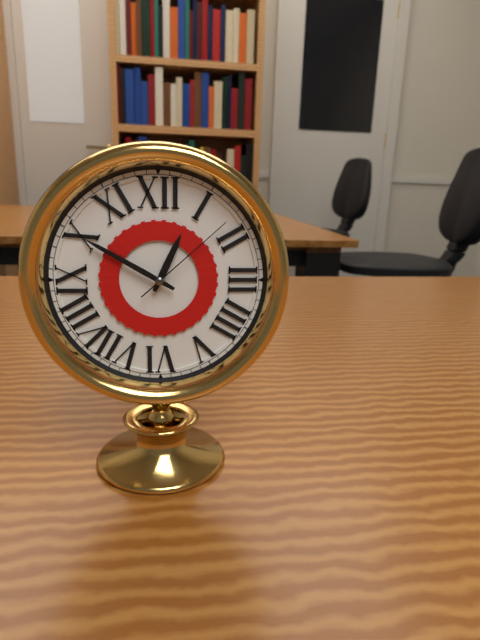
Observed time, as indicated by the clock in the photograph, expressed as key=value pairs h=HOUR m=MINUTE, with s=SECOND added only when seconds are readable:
h=12 m=50 s=8
